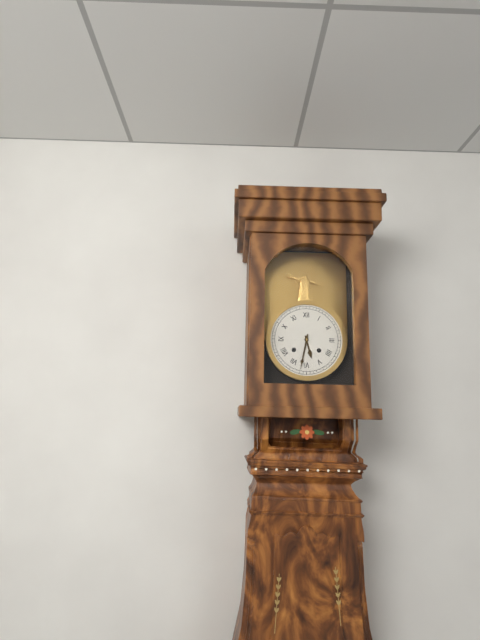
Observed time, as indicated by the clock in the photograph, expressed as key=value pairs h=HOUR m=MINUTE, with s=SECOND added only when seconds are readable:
h=5 m=32
